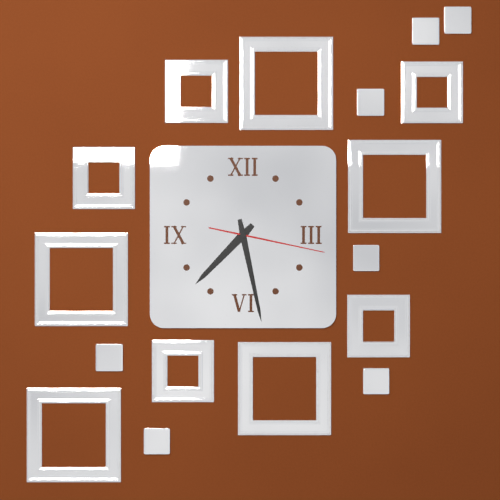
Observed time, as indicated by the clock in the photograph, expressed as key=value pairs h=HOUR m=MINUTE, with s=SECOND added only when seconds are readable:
h=7 m=28 s=17
